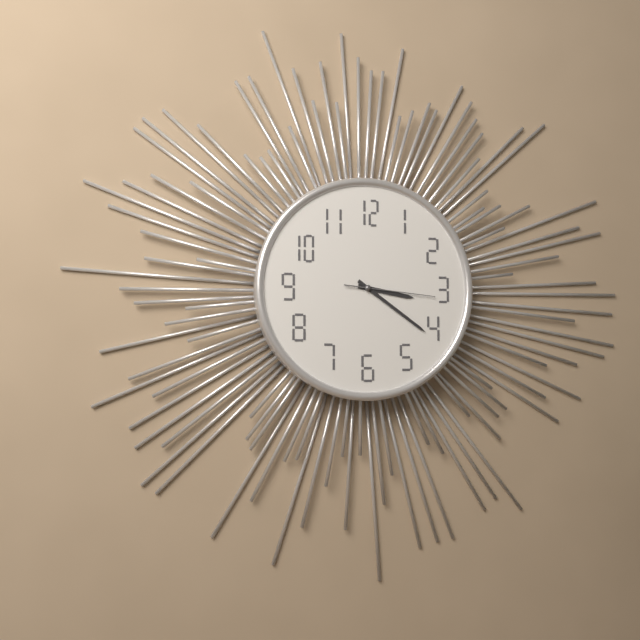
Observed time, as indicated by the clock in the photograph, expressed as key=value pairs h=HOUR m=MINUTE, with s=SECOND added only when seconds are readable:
h=3 m=21 s=16
